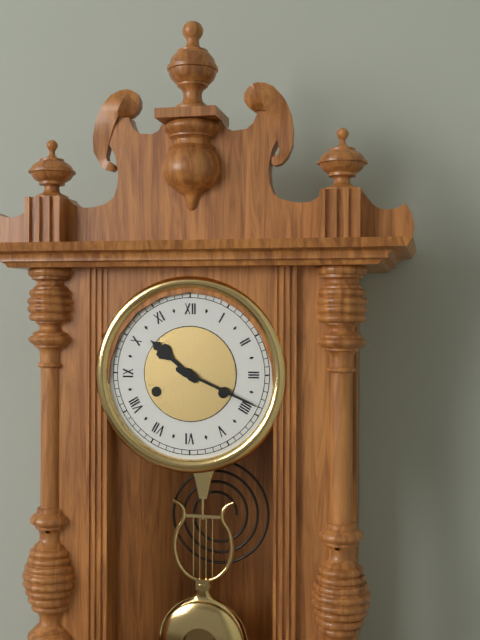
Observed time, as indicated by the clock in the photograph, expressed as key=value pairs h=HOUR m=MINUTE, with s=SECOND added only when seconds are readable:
h=10 m=19
